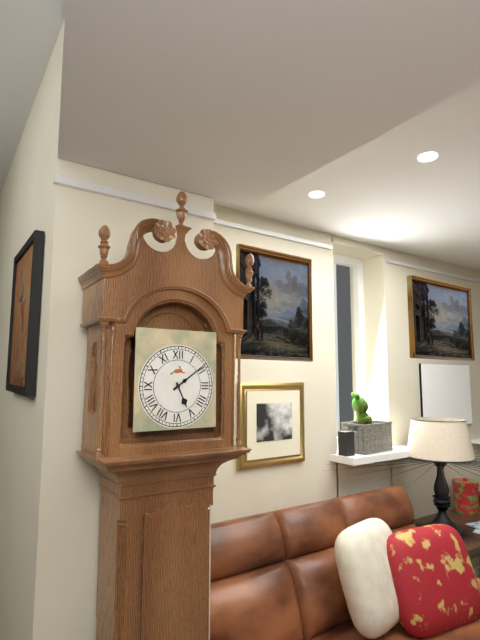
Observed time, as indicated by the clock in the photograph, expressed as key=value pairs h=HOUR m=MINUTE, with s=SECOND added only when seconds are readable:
h=5 m=9
